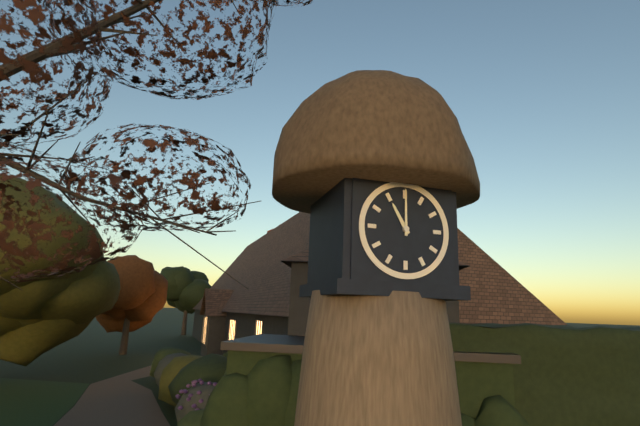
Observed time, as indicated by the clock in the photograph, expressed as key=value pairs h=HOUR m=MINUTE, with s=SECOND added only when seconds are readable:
h=11 m=0
